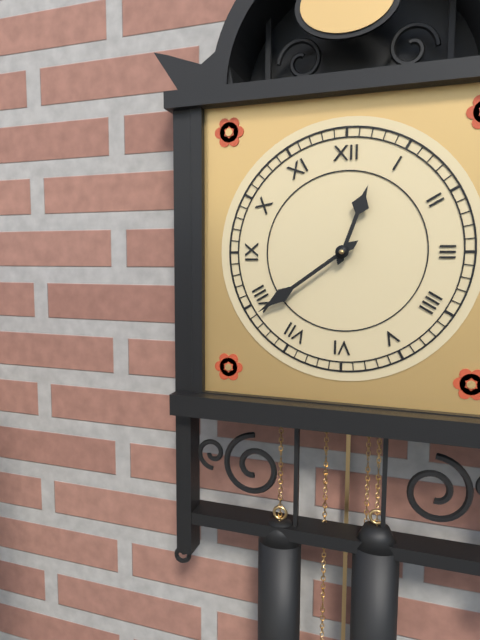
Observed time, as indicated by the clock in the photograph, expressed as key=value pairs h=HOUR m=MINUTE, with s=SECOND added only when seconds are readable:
h=12 m=39
